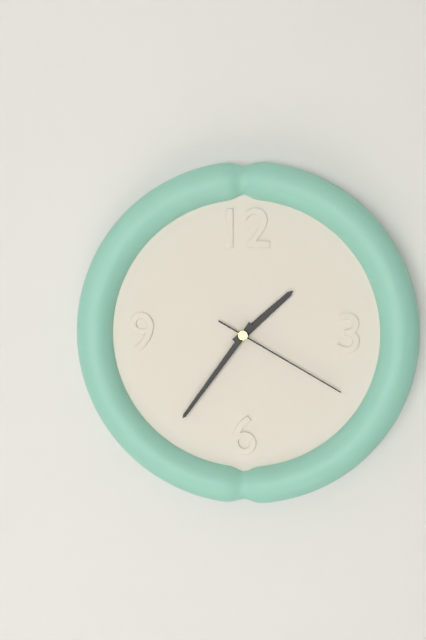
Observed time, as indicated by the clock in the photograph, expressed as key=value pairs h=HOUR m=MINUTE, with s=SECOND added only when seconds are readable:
h=1 m=36 s=20
